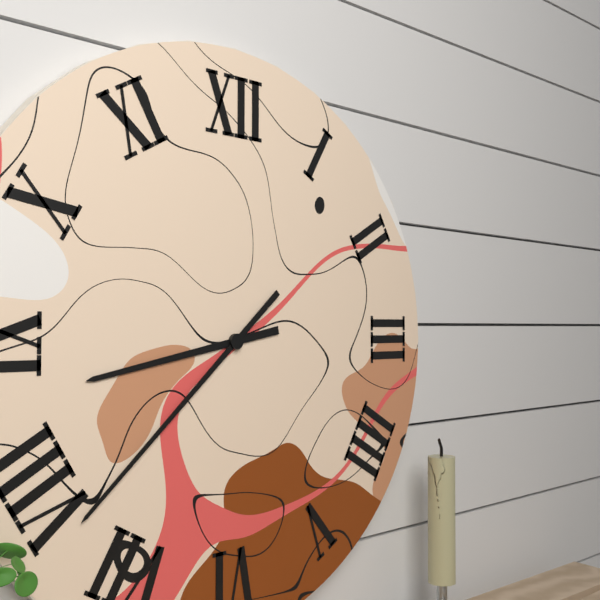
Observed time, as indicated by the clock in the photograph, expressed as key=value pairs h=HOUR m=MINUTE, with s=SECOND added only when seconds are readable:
h=8 m=38
